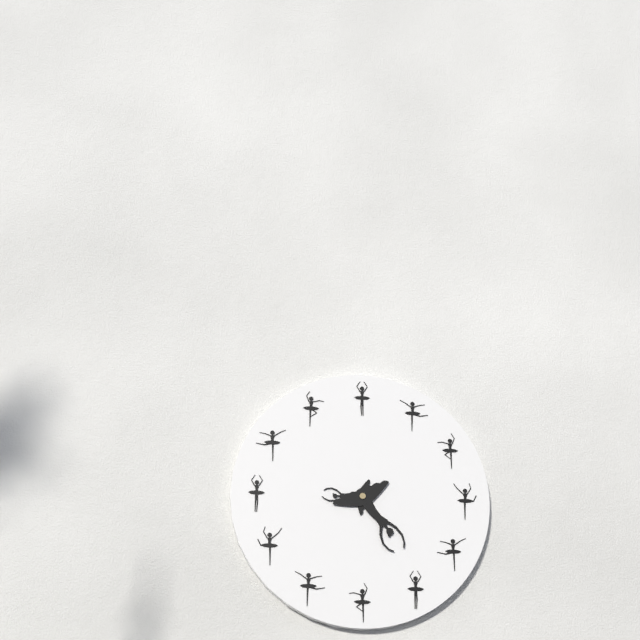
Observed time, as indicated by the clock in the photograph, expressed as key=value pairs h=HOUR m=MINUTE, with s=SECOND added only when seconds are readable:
h=9 m=26
